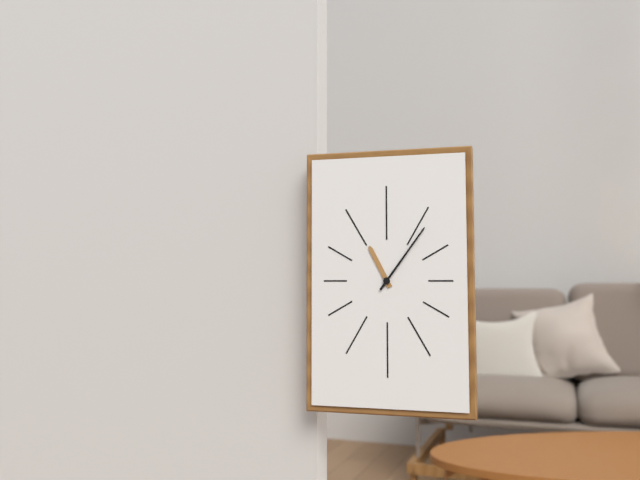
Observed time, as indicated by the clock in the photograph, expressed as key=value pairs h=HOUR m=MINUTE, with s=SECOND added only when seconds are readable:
h=11 m=6
